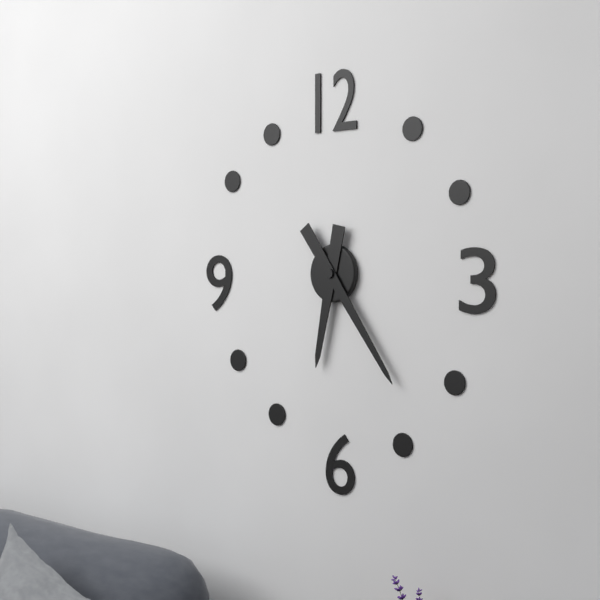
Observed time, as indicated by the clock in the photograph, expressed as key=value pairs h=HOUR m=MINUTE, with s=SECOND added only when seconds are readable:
h=6 m=24
